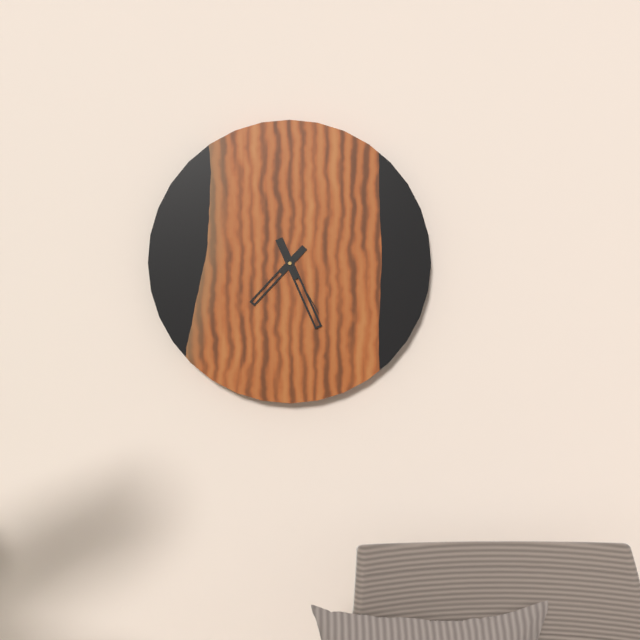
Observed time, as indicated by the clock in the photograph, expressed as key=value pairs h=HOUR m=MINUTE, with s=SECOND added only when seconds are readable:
h=7 m=26 s=25
